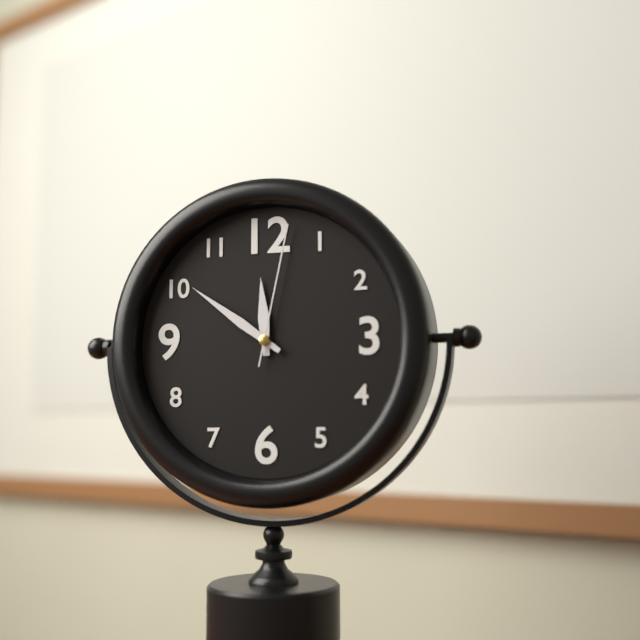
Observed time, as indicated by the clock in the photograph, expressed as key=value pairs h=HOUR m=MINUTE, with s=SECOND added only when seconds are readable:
h=11 m=51 s=2
